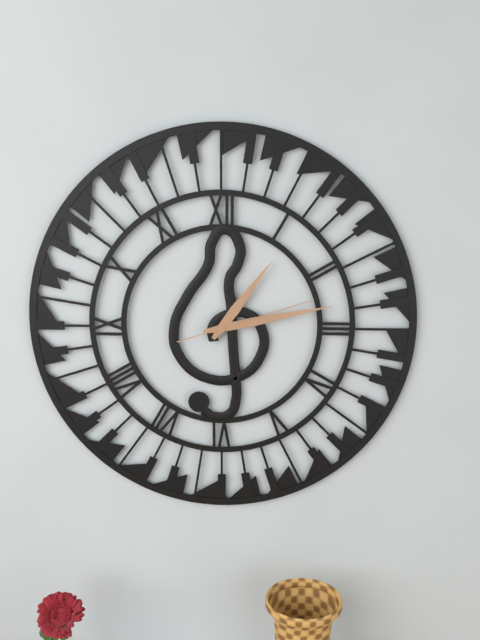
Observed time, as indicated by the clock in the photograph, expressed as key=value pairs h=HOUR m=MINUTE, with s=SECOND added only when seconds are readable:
h=1 m=13 s=12
